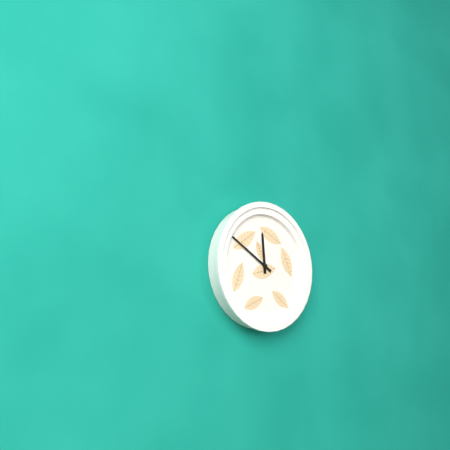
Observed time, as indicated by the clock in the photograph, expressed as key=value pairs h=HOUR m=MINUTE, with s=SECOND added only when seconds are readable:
h=11 m=50
